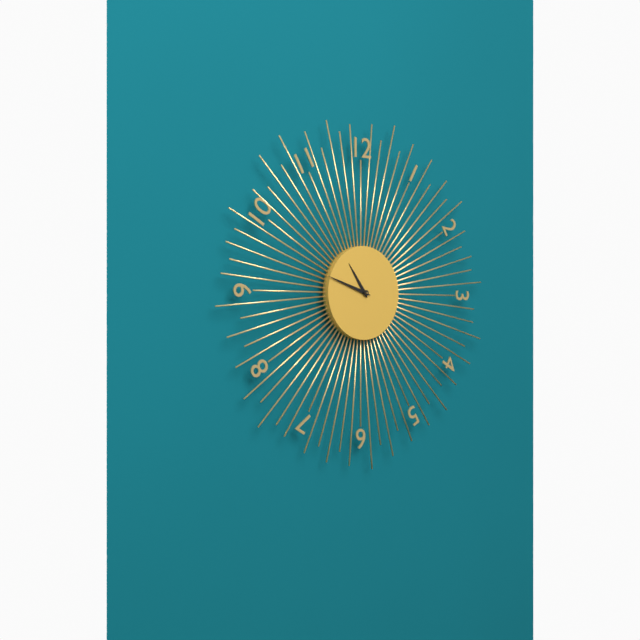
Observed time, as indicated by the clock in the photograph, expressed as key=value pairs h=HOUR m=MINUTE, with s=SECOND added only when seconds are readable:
h=10 m=48
